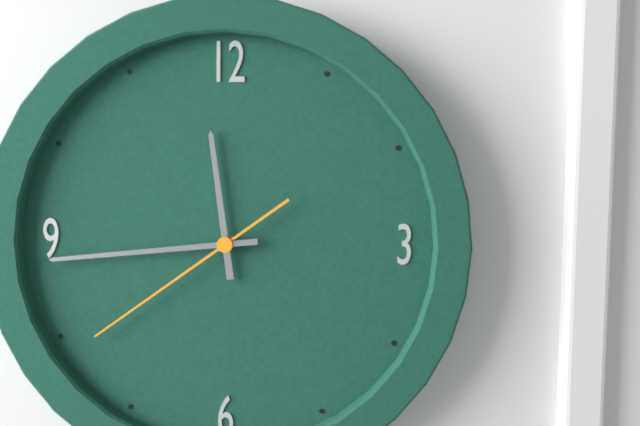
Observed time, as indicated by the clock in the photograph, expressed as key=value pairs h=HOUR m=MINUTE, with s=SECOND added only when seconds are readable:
h=11 m=44 s=39
